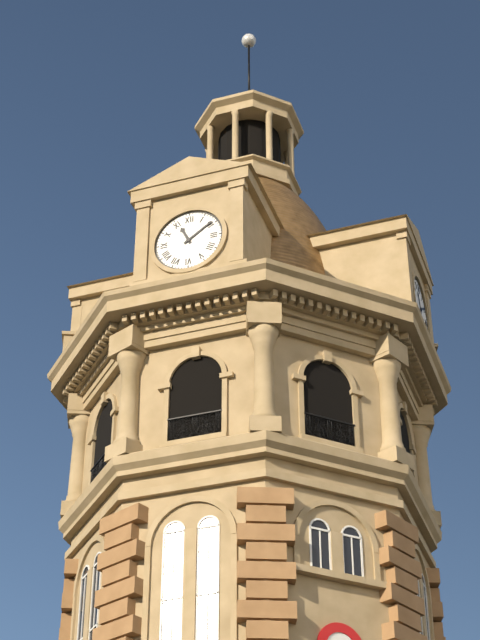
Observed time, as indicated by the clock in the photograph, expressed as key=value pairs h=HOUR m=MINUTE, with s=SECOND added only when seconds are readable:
h=11 m=9
